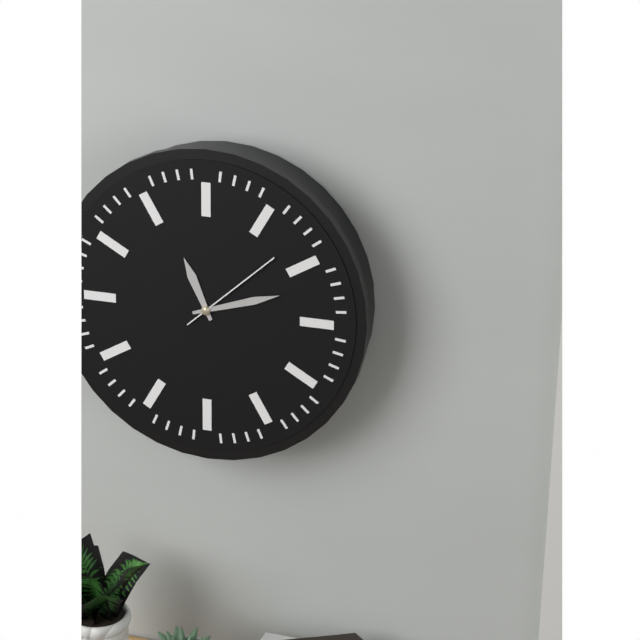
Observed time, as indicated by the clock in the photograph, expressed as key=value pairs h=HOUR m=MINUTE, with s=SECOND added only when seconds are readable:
h=11 m=12 s=8
